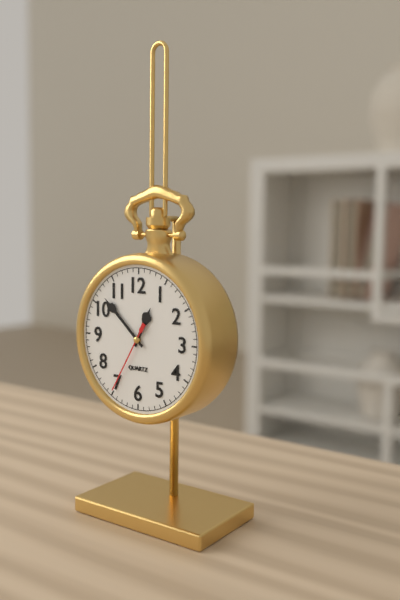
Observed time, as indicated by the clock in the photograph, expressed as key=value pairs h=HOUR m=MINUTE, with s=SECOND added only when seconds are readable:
h=12 m=52 s=35
